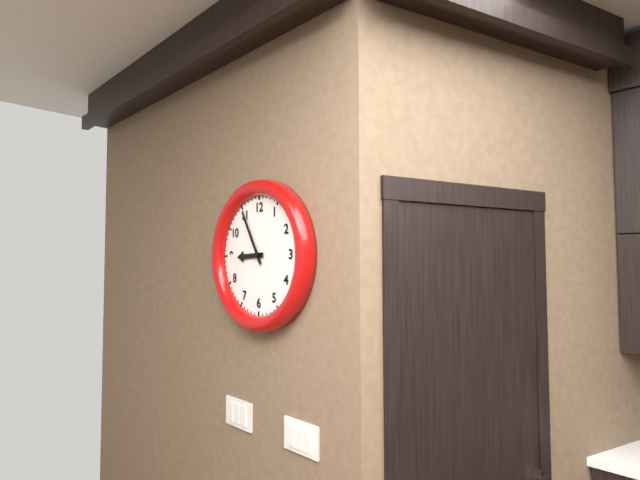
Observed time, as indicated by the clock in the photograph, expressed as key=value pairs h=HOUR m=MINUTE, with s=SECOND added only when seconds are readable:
h=8 m=55
